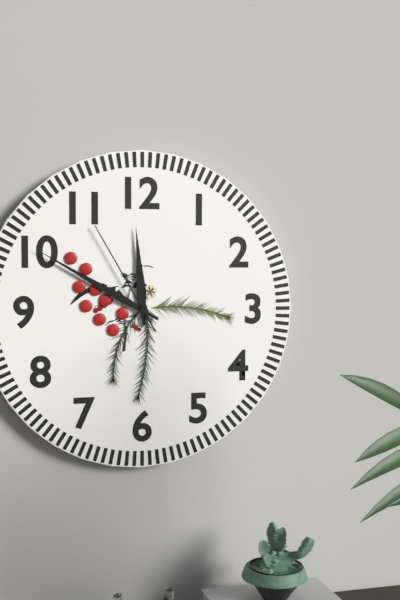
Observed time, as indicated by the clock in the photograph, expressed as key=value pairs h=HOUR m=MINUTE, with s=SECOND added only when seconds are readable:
h=11 m=50 s=55
